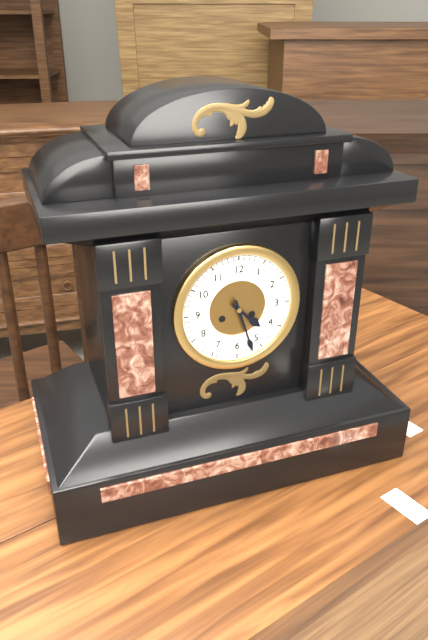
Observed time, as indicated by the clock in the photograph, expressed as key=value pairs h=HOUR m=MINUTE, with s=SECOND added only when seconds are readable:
h=4 m=27
